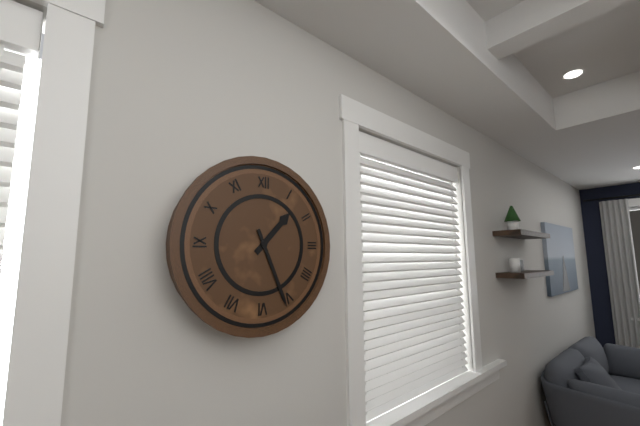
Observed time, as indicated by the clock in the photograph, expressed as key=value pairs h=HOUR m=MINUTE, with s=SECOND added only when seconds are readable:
h=1 m=26
